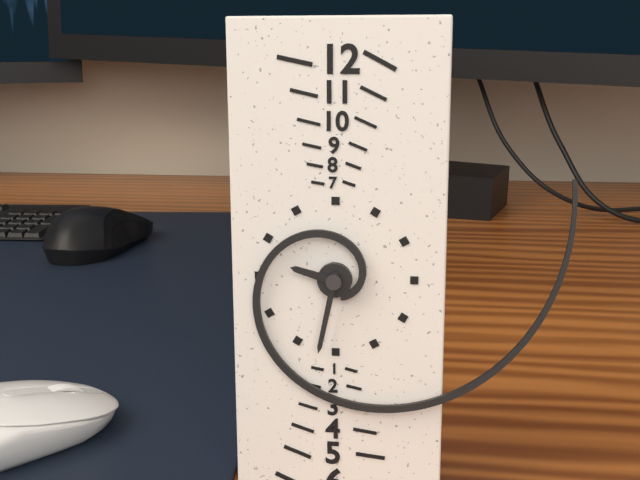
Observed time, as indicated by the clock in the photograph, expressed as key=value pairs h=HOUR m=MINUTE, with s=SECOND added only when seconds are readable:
h=9 m=32
